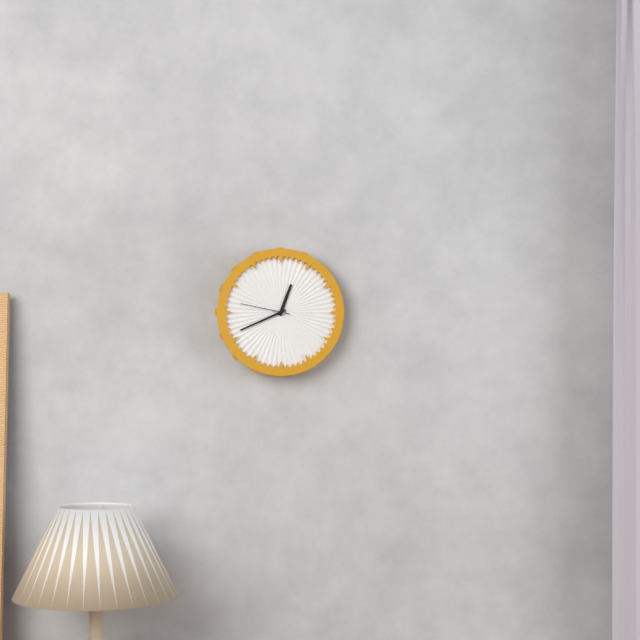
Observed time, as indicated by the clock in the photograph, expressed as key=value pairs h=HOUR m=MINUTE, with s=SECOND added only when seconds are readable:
h=12 m=41 s=47
